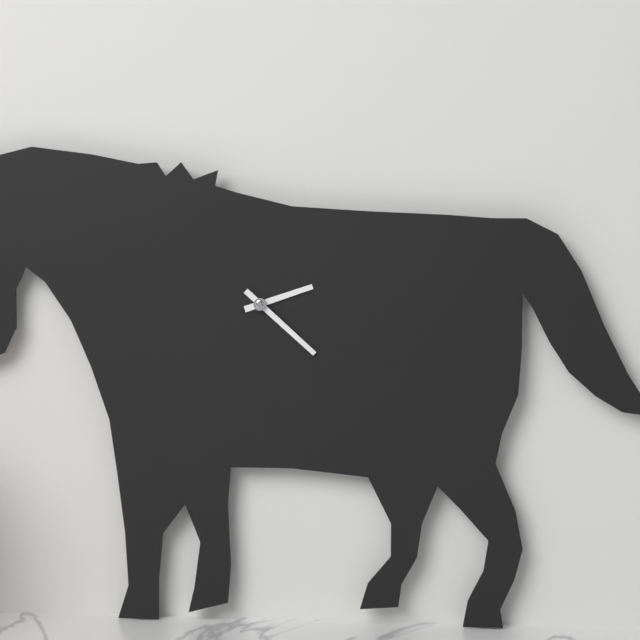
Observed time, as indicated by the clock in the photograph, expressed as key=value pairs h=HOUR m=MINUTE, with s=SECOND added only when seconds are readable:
h=2 m=22
